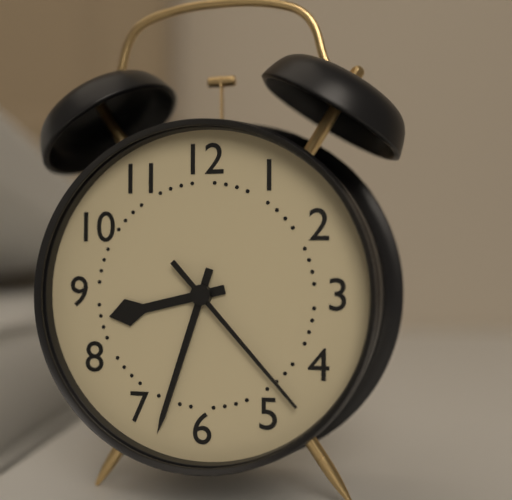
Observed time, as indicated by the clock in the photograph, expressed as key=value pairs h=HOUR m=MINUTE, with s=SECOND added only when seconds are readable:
h=8 m=33 s=23
